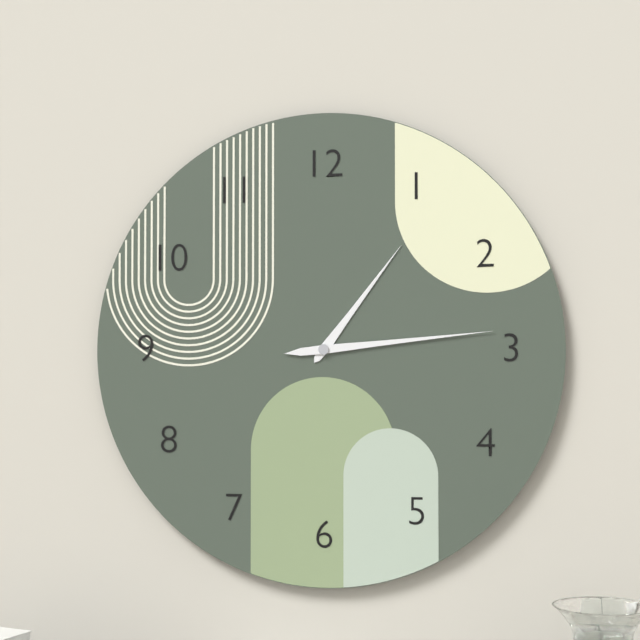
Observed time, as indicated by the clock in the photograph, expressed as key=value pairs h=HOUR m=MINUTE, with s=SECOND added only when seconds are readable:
h=1 m=14
